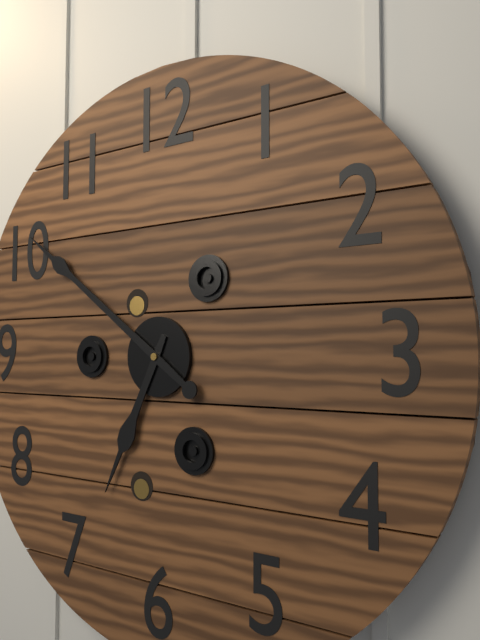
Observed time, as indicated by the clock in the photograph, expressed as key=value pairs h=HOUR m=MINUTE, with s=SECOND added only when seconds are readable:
h=6 m=51
